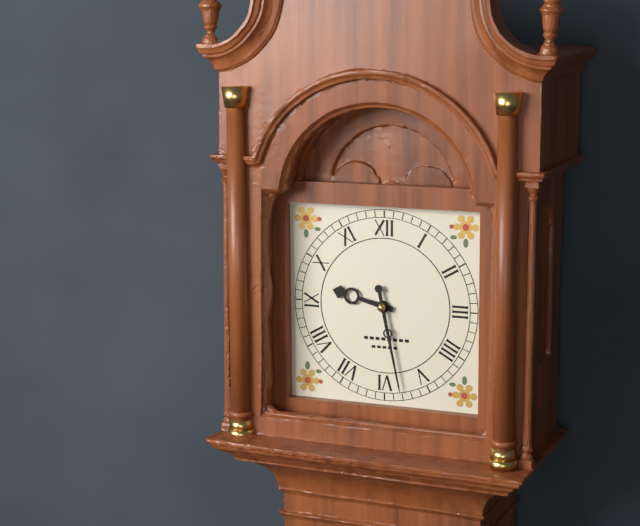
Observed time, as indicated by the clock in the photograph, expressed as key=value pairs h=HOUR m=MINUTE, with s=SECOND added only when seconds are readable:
h=9 m=28
